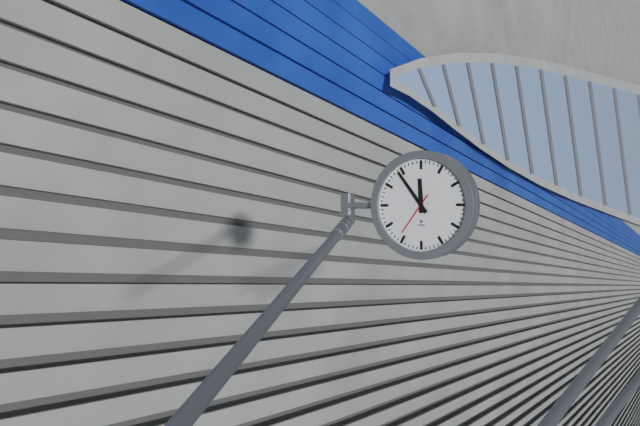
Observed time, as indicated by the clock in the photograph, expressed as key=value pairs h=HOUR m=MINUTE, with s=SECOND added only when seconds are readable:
h=11 m=54
